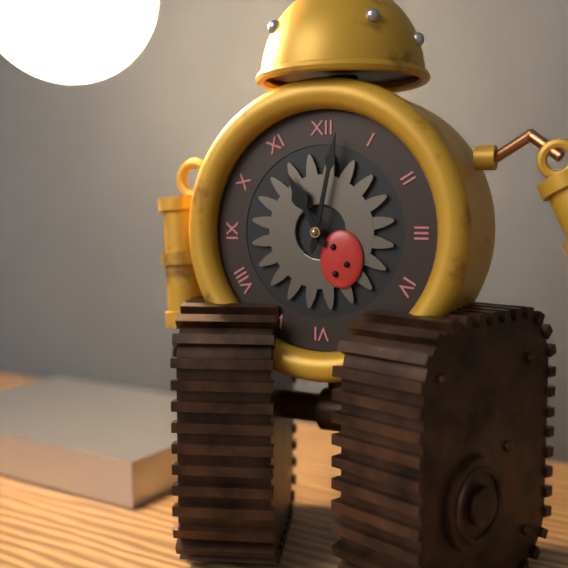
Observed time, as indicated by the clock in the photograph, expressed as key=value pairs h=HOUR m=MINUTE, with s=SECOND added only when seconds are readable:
h=11 m=2
